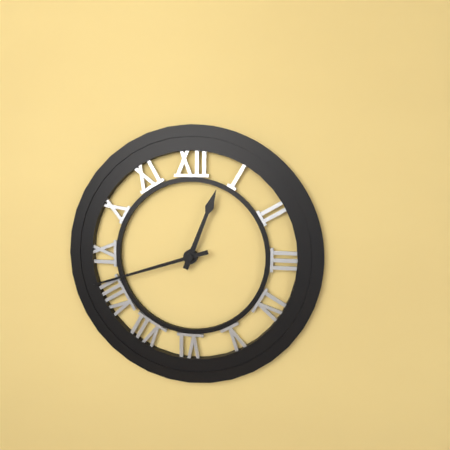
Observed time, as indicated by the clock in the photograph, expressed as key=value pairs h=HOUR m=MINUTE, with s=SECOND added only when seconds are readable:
h=12 m=42
